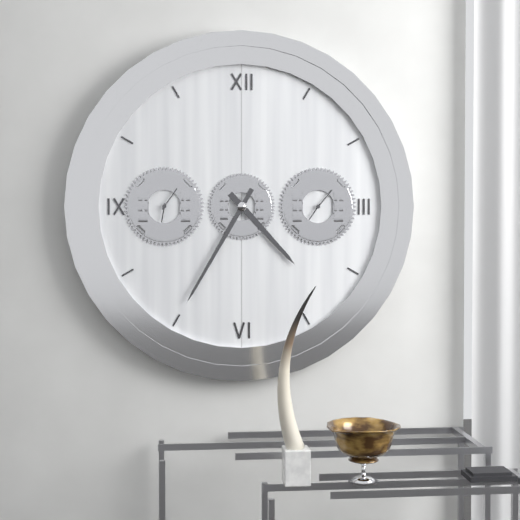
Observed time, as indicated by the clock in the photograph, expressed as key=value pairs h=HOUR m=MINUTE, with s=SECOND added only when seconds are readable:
h=4 m=35
